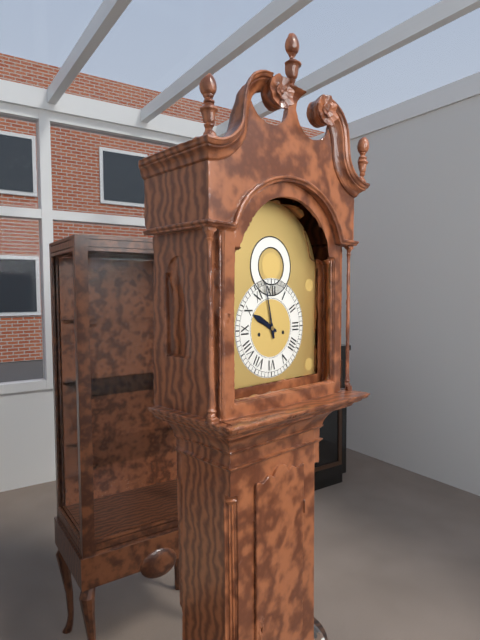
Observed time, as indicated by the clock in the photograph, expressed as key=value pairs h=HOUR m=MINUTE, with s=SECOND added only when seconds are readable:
h=9 m=58
